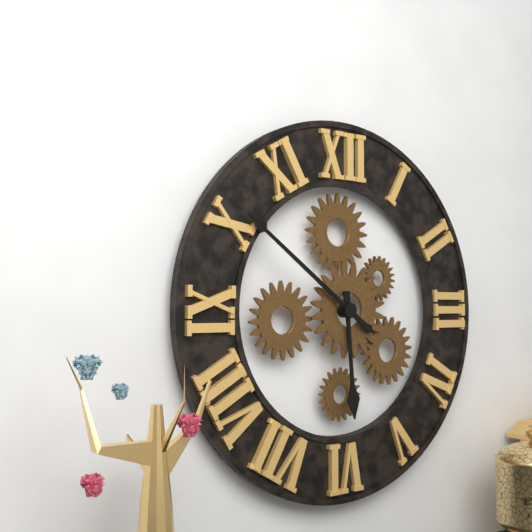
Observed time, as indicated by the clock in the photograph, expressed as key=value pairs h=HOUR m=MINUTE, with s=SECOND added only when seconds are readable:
h=5 m=51
